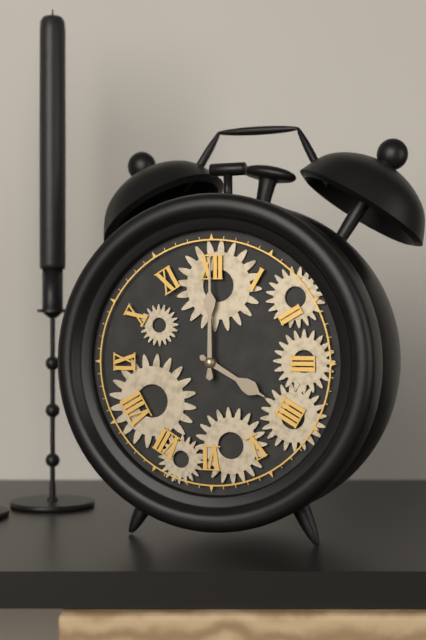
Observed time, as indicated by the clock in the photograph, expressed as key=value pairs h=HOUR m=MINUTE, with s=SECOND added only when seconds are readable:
h=4 m=0
